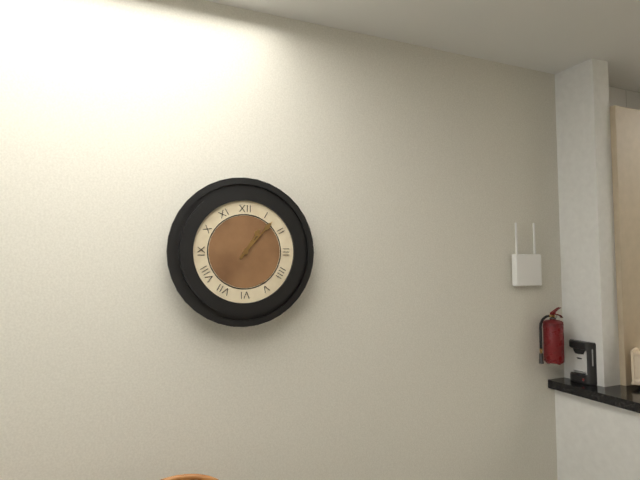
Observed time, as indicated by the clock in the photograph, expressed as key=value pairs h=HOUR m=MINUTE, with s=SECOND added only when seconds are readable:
h=1 m=7
